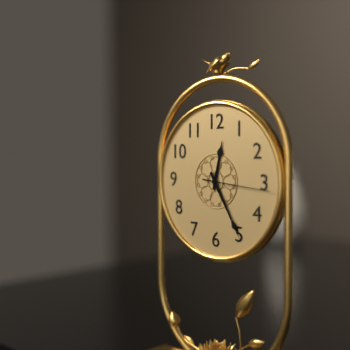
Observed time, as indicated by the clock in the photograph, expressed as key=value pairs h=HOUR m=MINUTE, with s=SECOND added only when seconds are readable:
h=12 m=25 s=16
